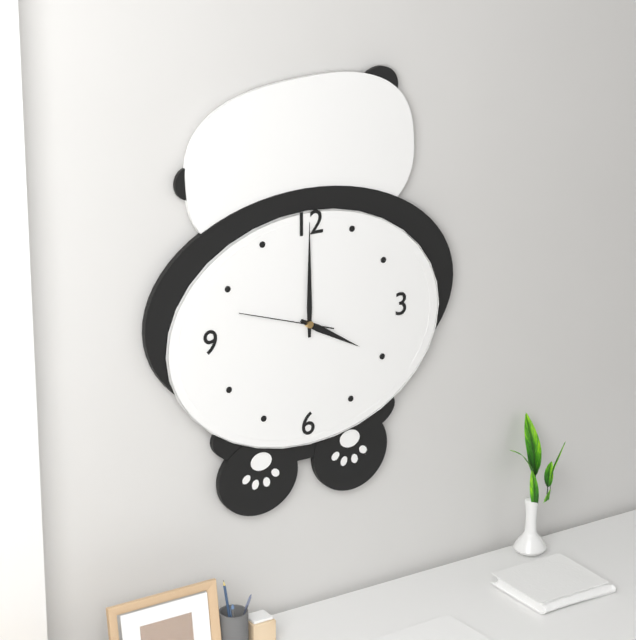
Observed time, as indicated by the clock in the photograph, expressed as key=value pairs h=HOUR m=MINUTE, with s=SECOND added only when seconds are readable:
h=4 m=0 s=48
